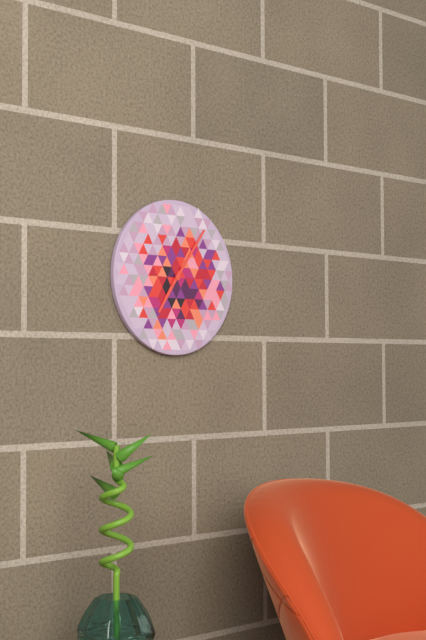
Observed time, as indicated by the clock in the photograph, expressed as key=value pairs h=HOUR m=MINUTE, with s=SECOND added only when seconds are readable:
h=7 m=6
